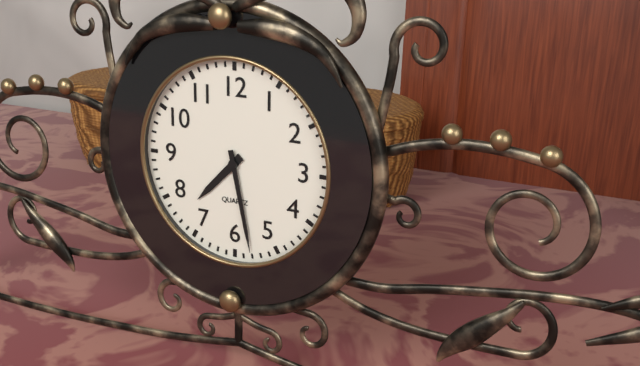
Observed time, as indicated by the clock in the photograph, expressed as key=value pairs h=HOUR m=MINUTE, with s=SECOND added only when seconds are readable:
h=7 m=28
